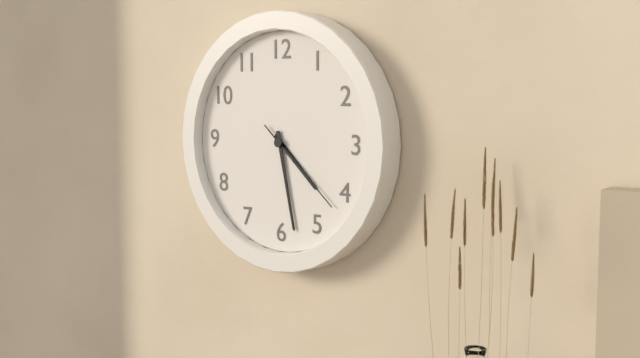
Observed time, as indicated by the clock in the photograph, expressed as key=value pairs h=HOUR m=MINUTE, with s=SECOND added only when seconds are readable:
h=4 m=28 s=22
